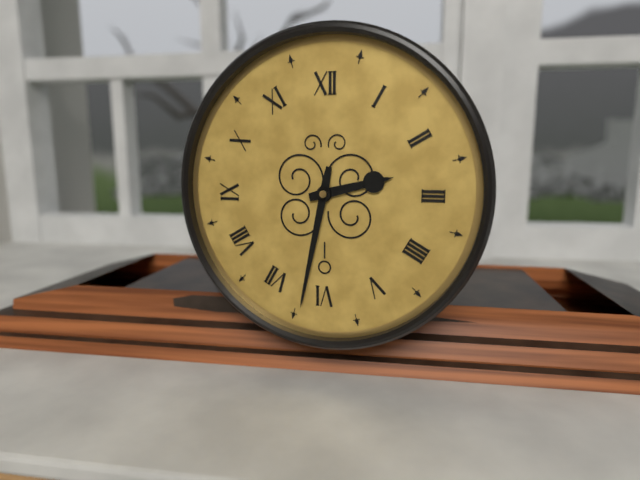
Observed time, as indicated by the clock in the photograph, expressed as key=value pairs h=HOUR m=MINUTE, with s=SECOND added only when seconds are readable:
h=2 m=32
